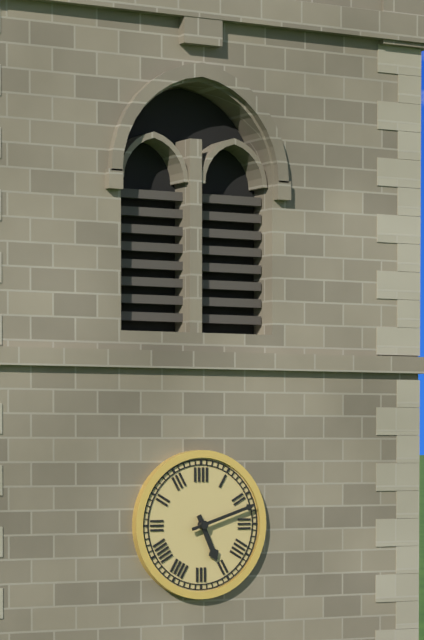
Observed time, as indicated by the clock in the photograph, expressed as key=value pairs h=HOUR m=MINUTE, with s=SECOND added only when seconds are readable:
h=5 m=12
